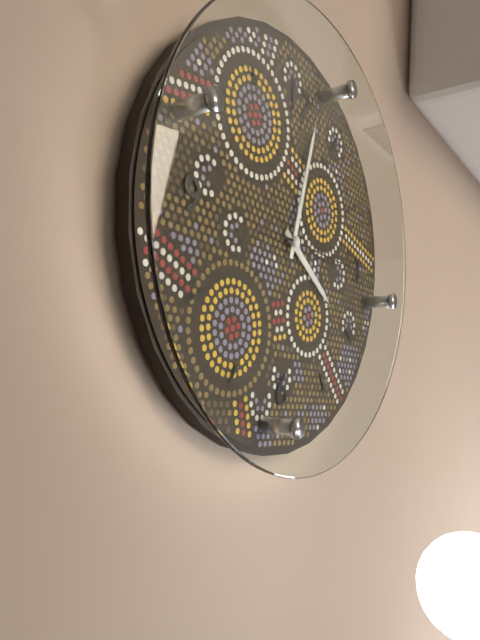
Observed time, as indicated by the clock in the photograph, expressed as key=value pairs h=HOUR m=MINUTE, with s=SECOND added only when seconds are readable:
h=4 m=2 s=15
